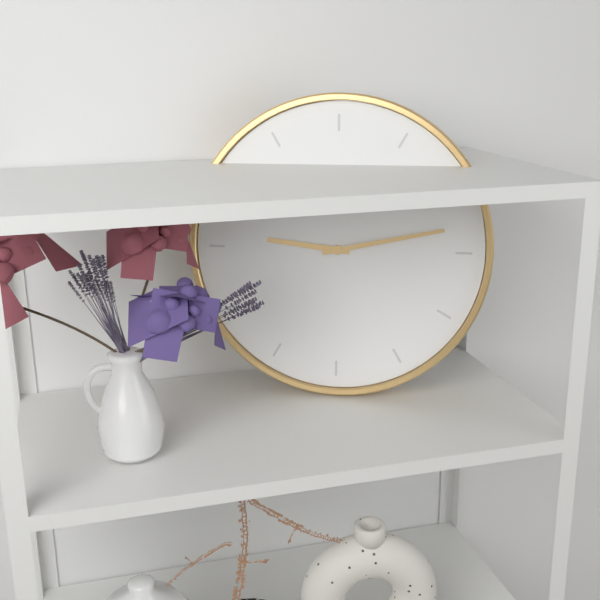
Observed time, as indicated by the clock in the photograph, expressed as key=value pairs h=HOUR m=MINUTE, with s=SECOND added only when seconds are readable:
h=9 m=13
